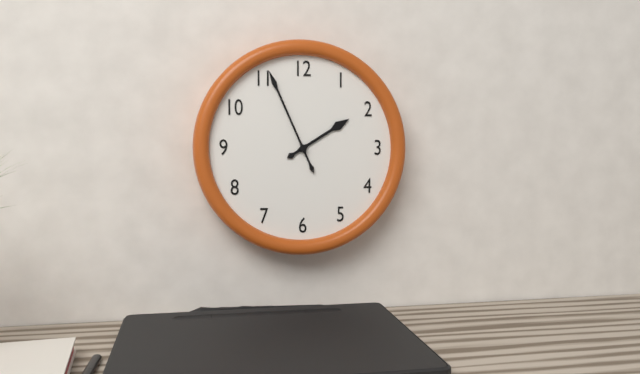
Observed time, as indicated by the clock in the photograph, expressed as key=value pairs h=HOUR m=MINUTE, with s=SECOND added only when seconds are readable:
h=1 m=56
